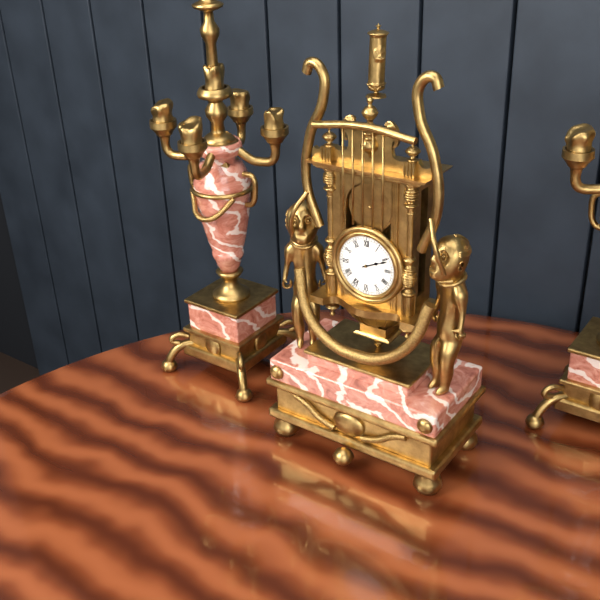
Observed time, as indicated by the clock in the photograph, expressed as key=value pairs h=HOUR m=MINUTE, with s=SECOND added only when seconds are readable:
h=2 m=11
